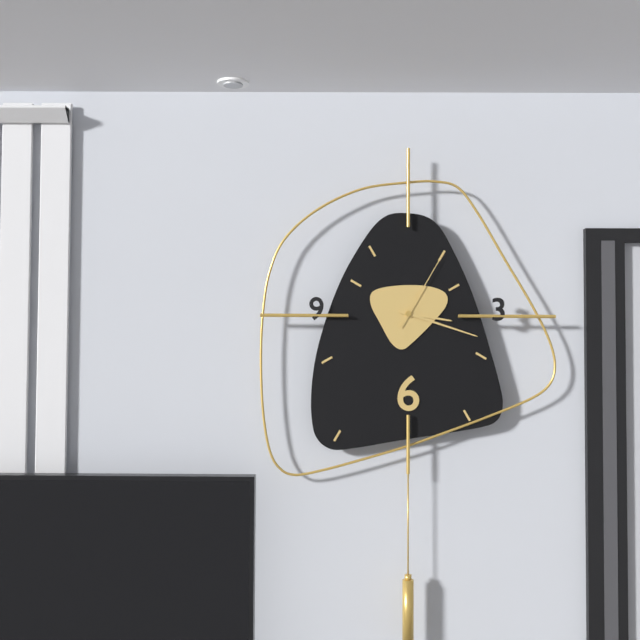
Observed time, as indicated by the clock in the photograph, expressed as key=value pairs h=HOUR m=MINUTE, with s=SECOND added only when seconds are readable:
h=3 m=18 s=5
